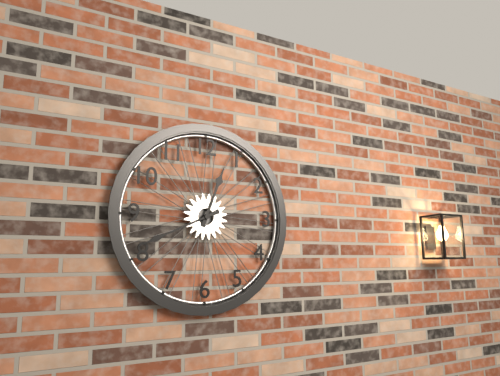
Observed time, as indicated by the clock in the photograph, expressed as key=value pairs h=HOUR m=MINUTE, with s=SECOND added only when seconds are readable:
h=12 m=41
